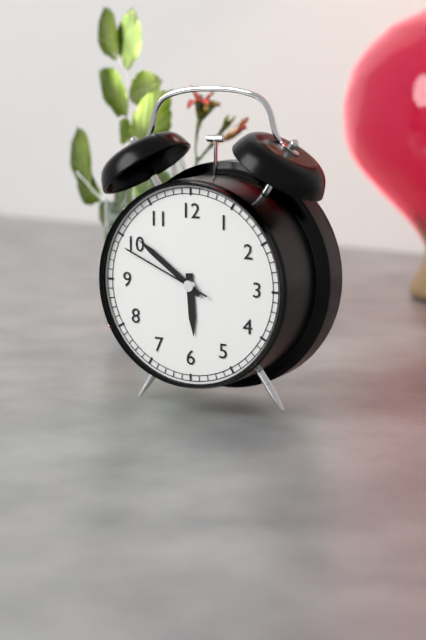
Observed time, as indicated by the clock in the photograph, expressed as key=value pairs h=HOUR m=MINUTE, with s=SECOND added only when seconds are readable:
h=5 m=51 s=49
